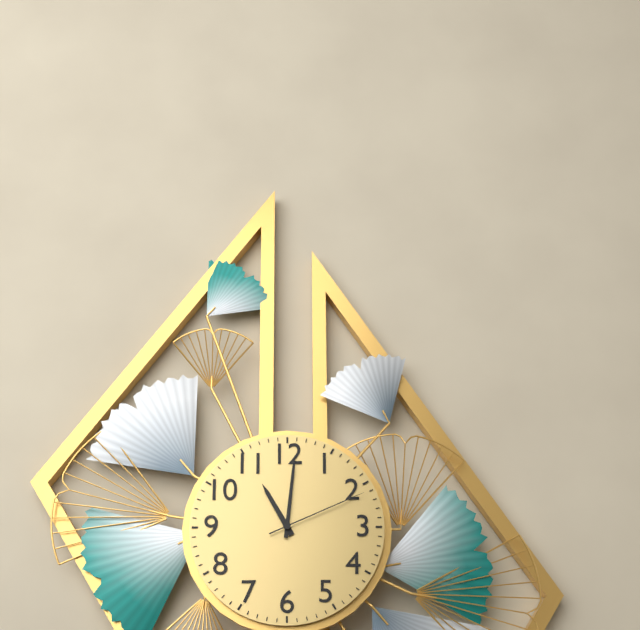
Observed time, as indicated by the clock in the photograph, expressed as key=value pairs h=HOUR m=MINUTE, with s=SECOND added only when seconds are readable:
h=11 m=1 s=11
